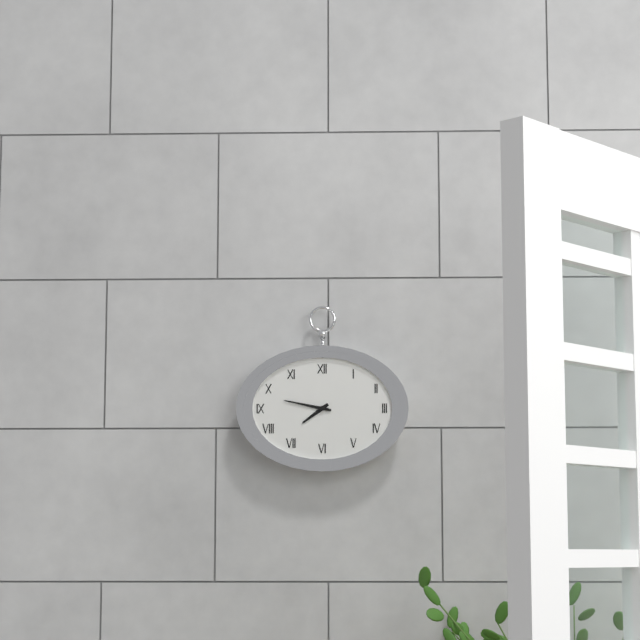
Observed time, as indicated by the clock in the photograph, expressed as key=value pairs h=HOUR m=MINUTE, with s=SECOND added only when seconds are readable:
h=7 m=47
